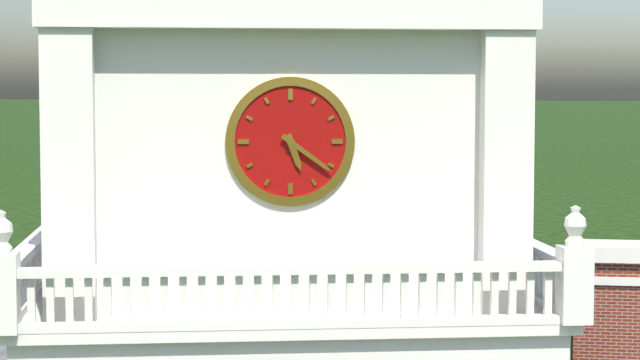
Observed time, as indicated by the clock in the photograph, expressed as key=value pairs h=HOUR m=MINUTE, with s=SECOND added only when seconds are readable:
h=5 m=21
